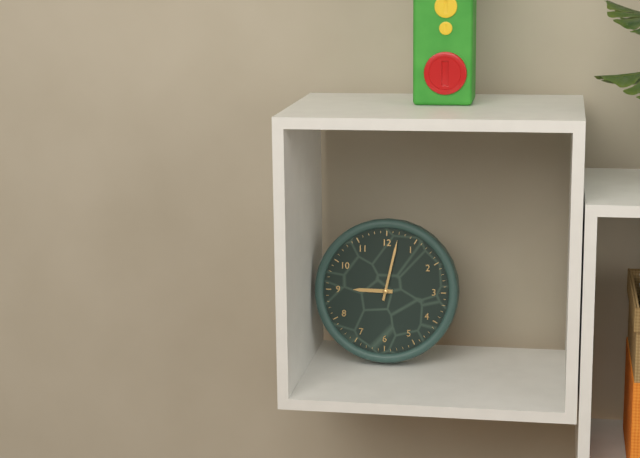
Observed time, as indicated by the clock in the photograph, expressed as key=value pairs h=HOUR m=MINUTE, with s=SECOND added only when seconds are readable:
h=9 m=2
